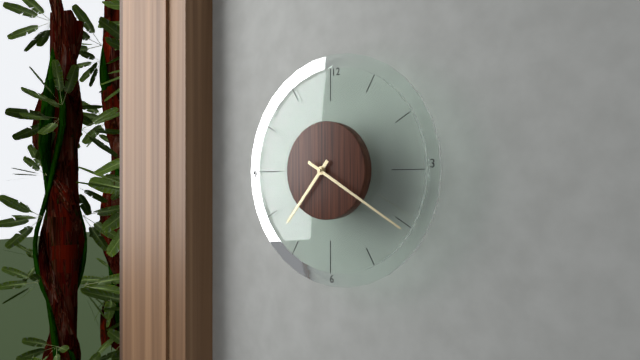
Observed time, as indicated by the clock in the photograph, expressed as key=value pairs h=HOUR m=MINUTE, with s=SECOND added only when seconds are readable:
h=7 m=20
